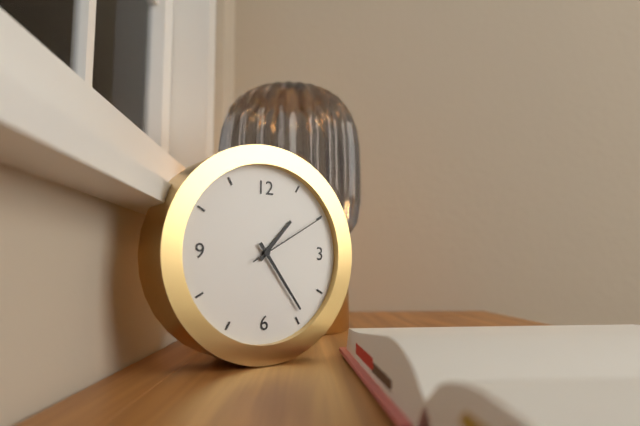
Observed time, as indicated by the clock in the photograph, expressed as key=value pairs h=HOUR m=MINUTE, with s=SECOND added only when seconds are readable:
h=1 m=24 s=10
